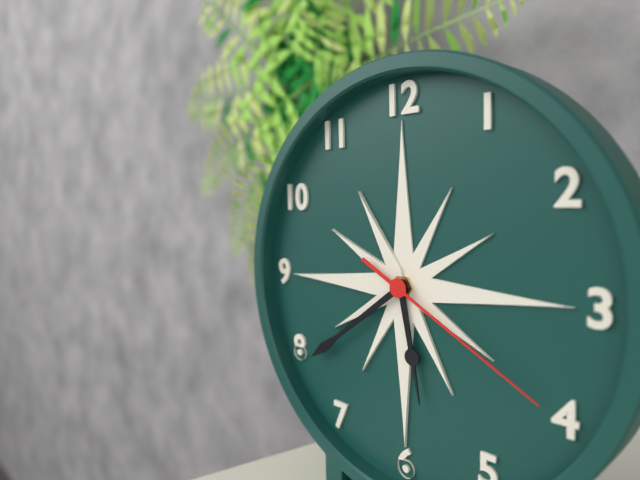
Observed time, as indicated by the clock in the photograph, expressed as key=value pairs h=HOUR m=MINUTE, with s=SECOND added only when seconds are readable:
h=5 m=39 s=20
